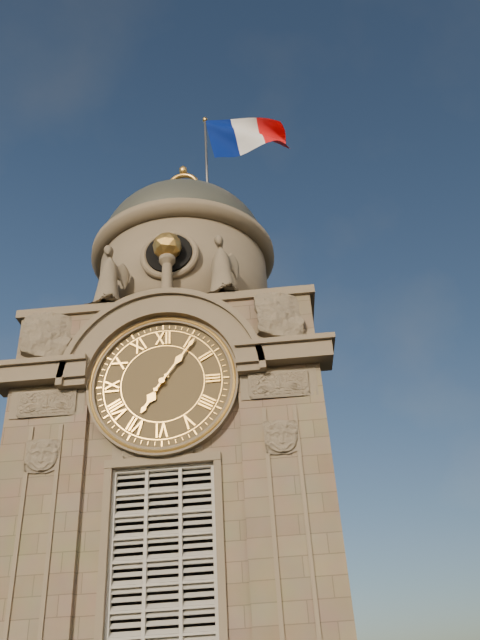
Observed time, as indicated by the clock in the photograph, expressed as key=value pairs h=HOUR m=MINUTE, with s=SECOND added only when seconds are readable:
h=7 m=6
